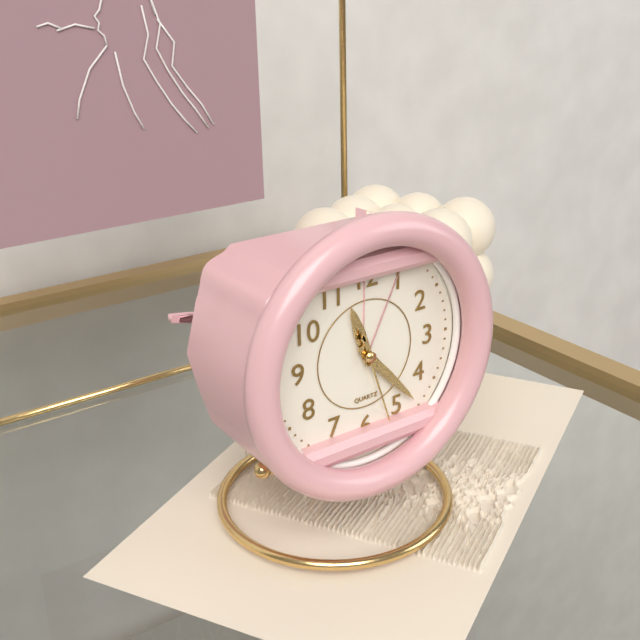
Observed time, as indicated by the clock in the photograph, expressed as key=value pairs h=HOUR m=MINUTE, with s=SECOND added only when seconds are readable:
h=11 m=23 s=27
